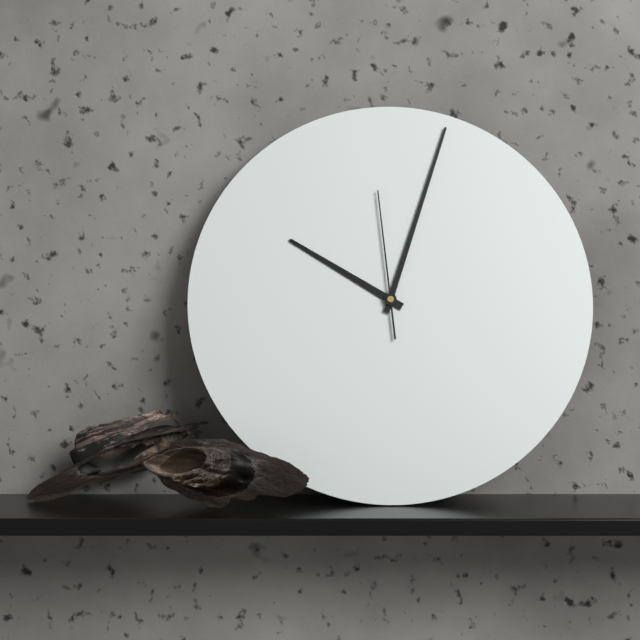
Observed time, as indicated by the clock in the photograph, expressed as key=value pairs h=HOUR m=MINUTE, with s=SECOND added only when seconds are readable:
h=10 m=3 s=59
